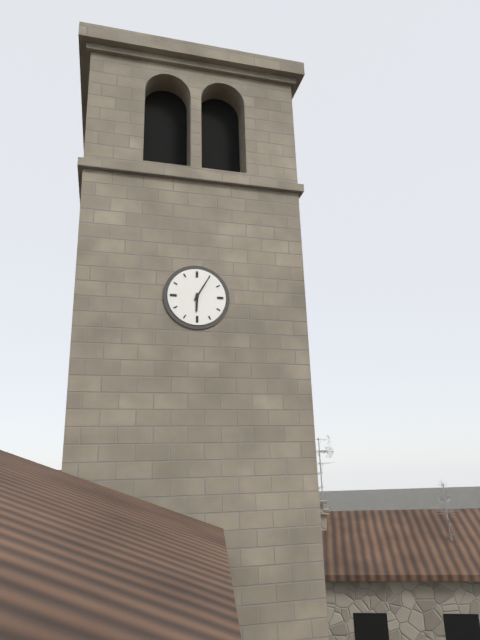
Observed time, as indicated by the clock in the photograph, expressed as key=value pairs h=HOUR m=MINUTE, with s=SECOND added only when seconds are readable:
h=6 m=5
